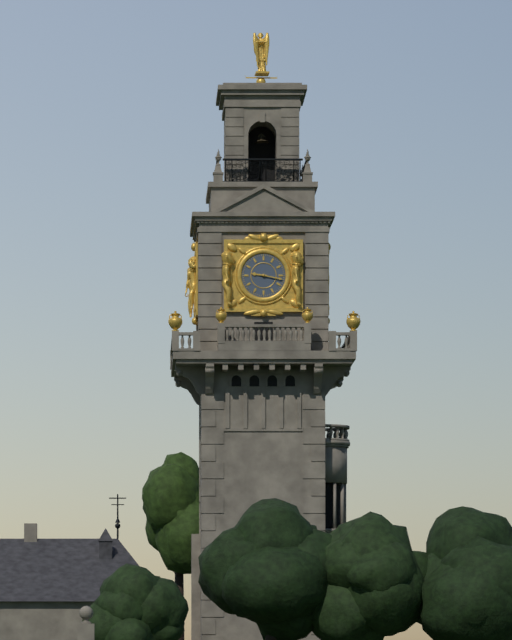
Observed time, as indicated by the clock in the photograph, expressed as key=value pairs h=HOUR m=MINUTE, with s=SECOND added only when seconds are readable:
h=9 m=17
